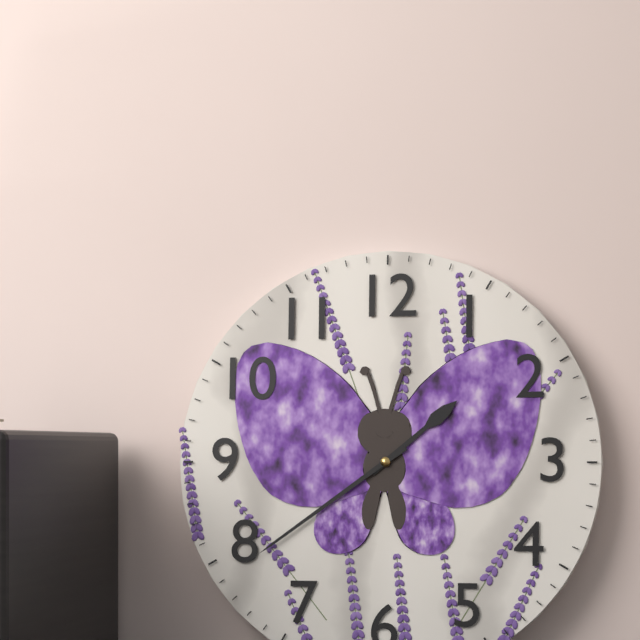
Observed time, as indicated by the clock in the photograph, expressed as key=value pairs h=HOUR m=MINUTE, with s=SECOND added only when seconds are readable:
h=1 m=39
